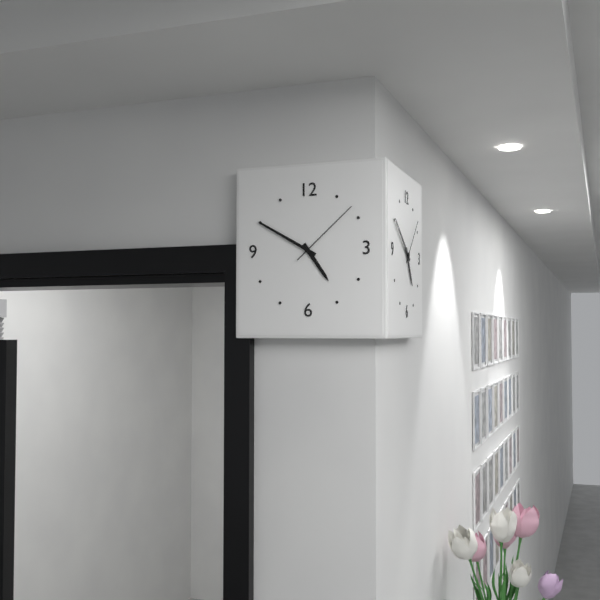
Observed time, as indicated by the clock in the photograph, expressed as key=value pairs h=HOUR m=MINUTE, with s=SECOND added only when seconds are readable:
h=4 m=50 s=8
